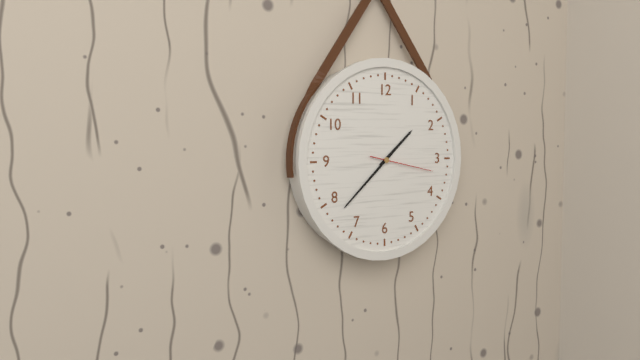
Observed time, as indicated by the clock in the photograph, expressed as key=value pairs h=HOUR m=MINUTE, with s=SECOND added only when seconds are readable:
h=1 m=38 s=17
